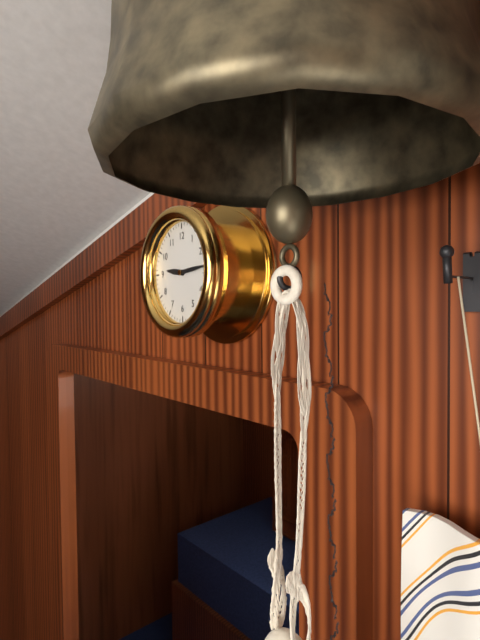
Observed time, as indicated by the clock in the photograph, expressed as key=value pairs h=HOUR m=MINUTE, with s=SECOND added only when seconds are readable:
h=9 m=14
